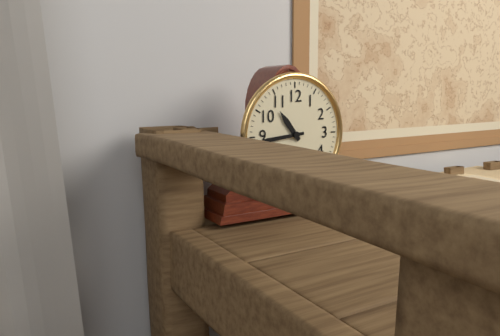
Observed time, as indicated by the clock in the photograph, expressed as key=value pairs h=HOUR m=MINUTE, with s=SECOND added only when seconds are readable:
h=10 m=44
